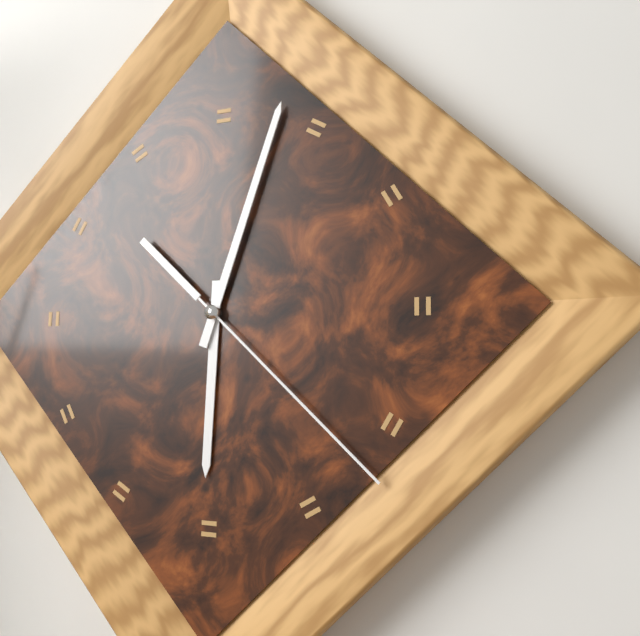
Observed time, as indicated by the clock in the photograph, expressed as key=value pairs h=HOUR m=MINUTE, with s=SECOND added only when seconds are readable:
h=6 m=3 s=22
